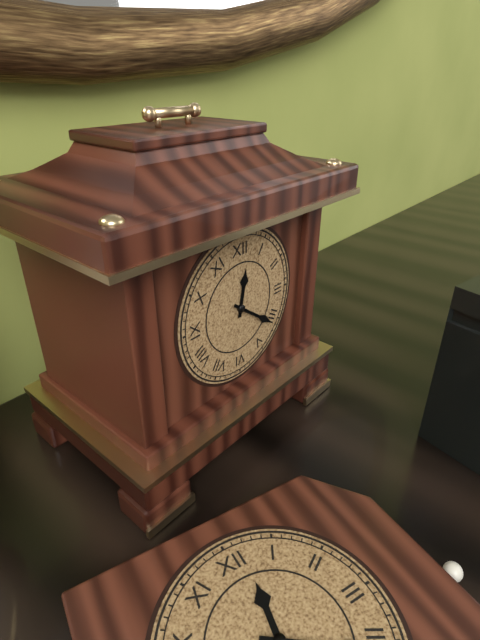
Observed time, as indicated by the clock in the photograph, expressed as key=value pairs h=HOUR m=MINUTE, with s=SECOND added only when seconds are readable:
h=12 m=21
